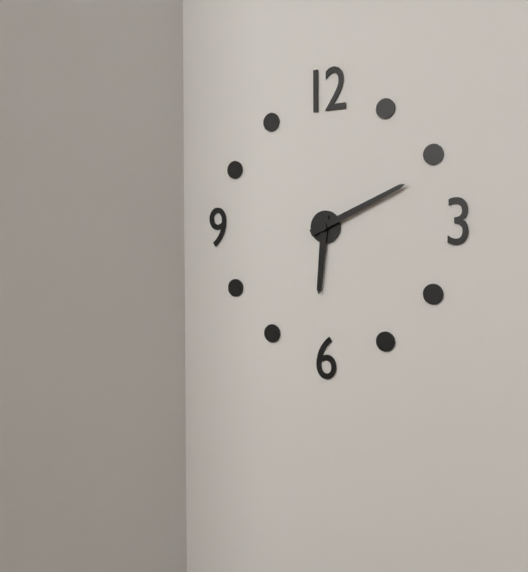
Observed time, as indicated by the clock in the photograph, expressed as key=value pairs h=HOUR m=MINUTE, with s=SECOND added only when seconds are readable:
h=6 m=11
